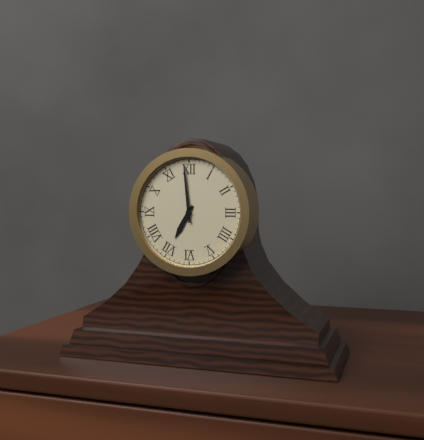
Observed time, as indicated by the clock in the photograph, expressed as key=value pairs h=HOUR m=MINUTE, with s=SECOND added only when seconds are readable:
h=6 m=59
